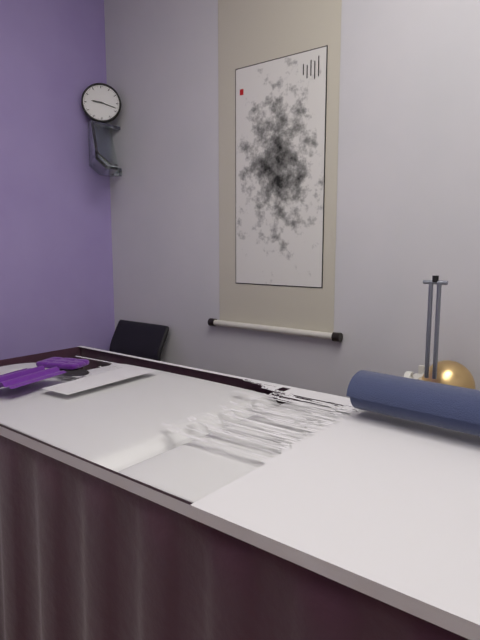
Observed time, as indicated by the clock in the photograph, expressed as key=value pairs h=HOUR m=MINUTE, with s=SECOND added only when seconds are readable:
h=9 m=18
